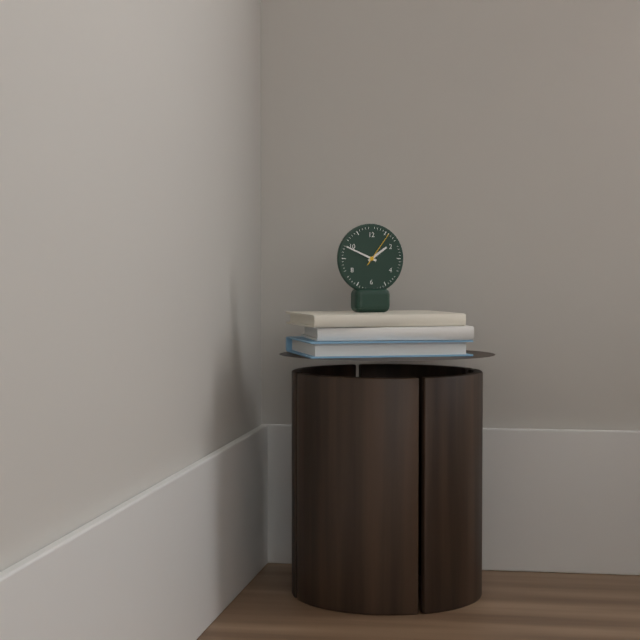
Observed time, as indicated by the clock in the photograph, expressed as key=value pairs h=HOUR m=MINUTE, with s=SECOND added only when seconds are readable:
h=1 m=49
